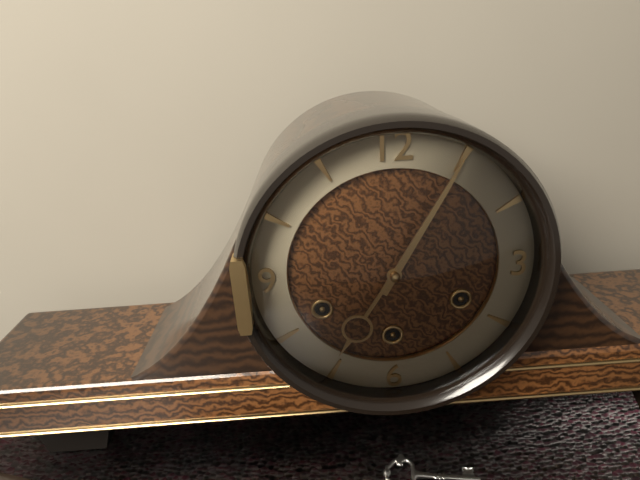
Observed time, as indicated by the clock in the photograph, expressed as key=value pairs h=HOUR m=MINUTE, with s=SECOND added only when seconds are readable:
h=7 m=5
